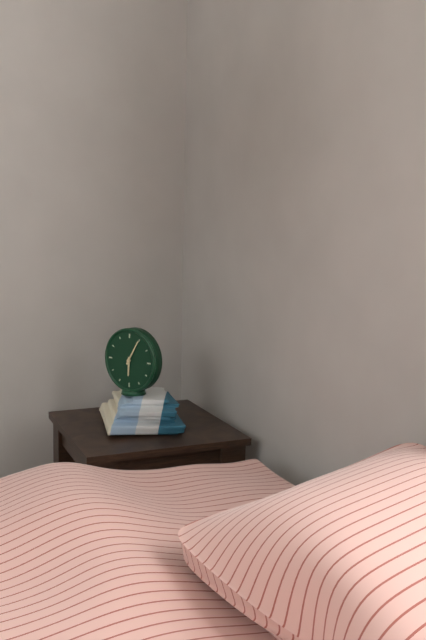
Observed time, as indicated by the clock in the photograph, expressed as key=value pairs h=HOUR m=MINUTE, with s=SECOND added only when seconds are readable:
h=6 m=5
